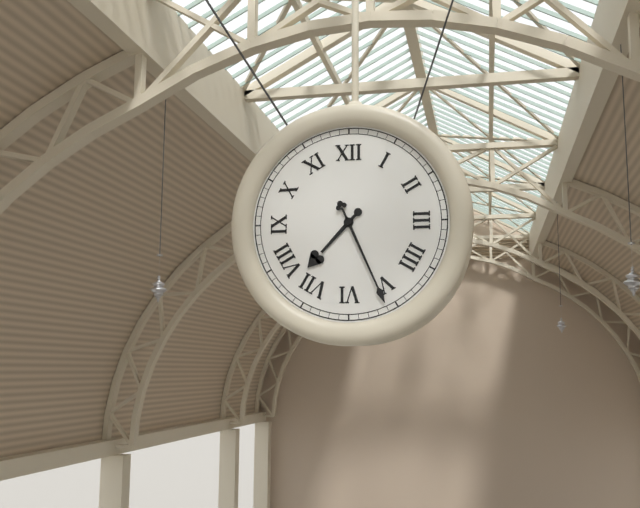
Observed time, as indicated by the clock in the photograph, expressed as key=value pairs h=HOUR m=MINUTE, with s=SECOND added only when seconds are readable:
h=7 m=26
